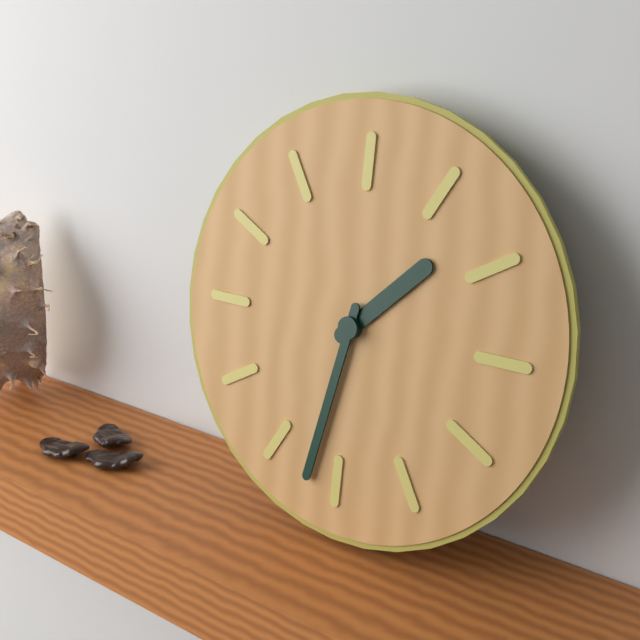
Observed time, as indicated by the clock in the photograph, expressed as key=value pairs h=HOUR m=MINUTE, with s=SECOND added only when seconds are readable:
h=1 m=32
